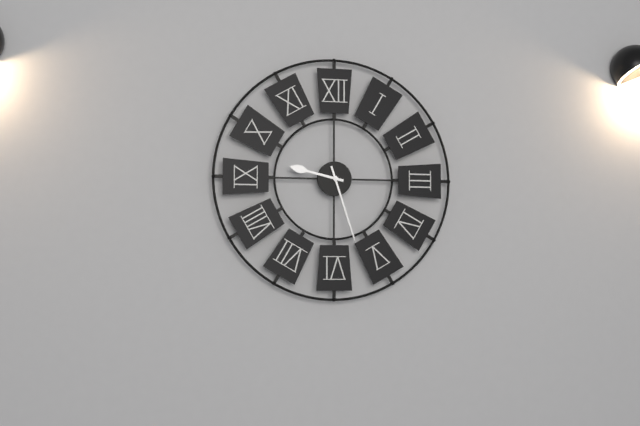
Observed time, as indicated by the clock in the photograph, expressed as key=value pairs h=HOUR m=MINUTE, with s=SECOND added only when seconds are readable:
h=9 m=27
